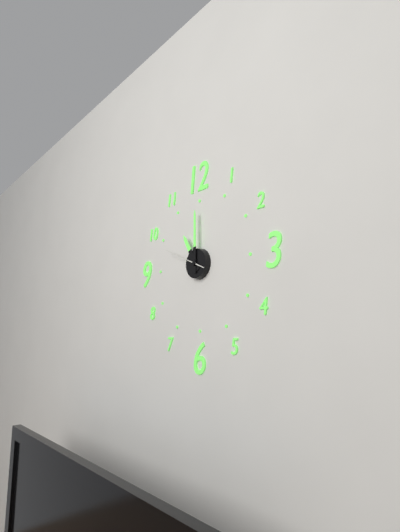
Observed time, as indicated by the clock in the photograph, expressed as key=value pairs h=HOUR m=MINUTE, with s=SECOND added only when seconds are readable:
h=11 m=0
